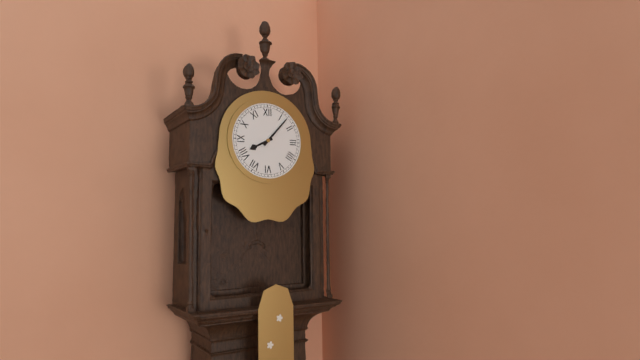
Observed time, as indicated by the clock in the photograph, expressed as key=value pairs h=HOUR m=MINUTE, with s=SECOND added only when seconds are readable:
h=8 m=7
